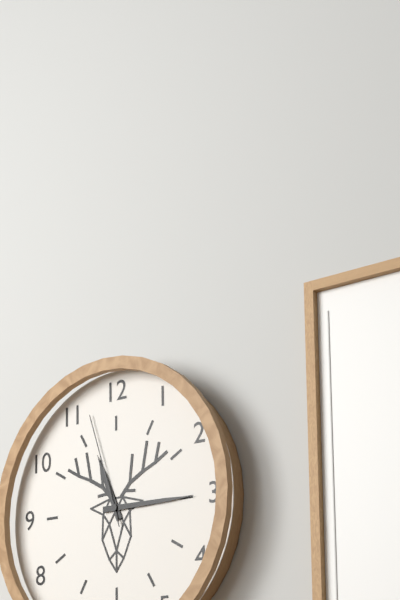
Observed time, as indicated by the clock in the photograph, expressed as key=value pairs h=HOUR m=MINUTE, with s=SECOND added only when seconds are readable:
h=11 m=15 s=57
